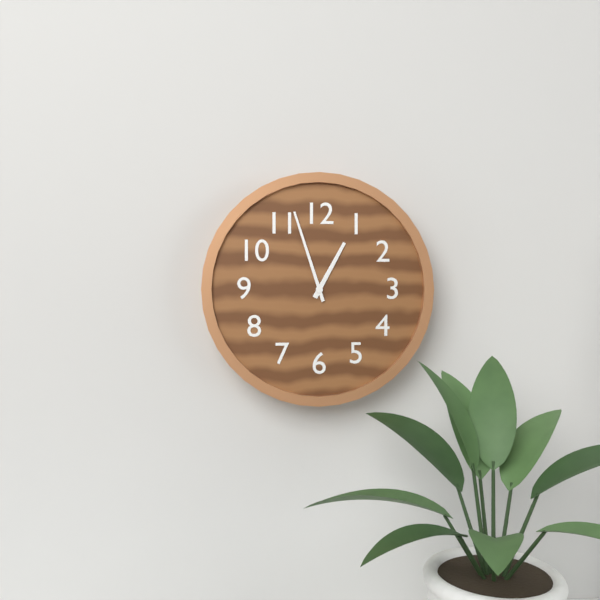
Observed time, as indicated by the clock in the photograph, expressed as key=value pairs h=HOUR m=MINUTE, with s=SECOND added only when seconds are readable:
h=12 m=57
